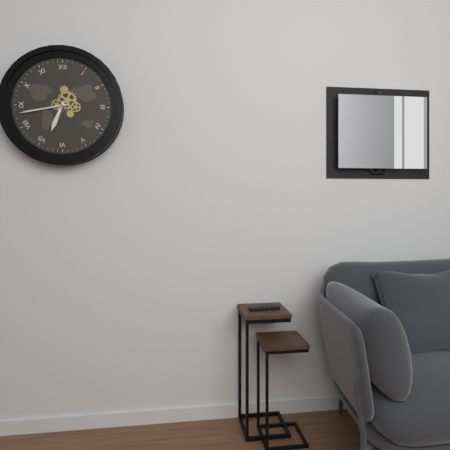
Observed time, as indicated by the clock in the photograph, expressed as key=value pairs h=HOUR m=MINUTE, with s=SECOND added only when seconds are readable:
h=6 m=43
